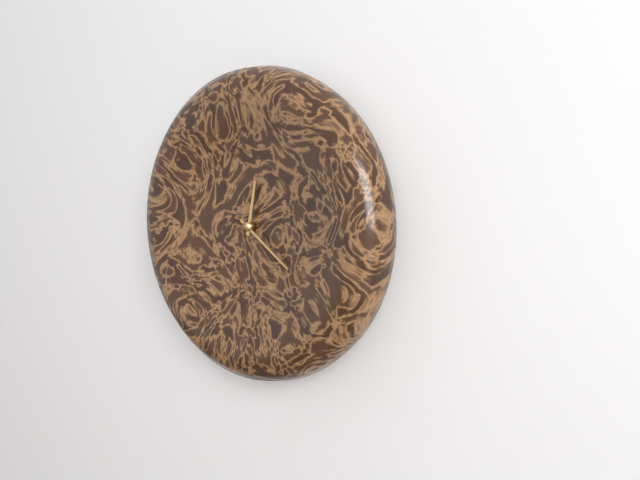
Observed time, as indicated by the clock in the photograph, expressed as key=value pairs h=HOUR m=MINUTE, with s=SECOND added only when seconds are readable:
h=12 m=21
